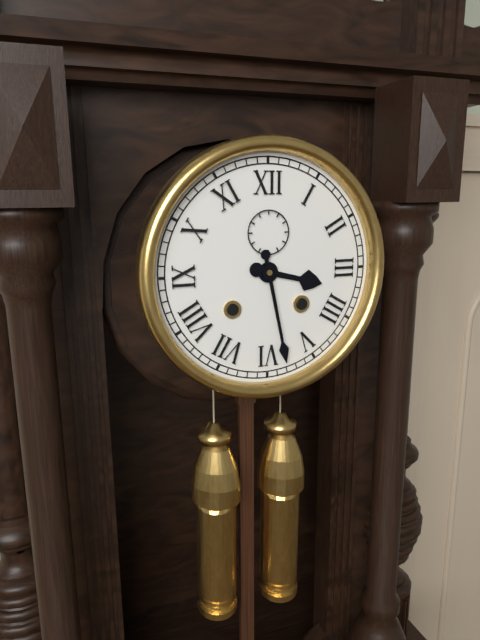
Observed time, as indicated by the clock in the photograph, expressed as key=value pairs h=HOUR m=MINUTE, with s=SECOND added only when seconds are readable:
h=3 m=28
